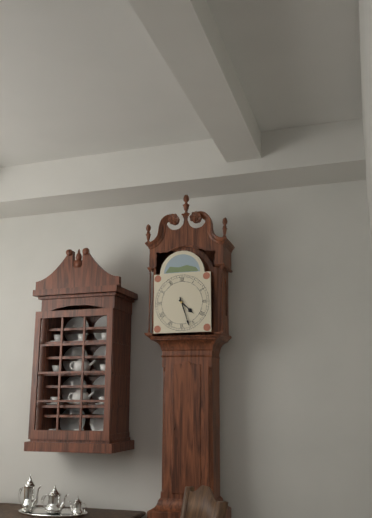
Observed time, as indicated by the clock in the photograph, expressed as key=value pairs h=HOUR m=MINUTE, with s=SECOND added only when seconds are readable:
h=4 m=27
